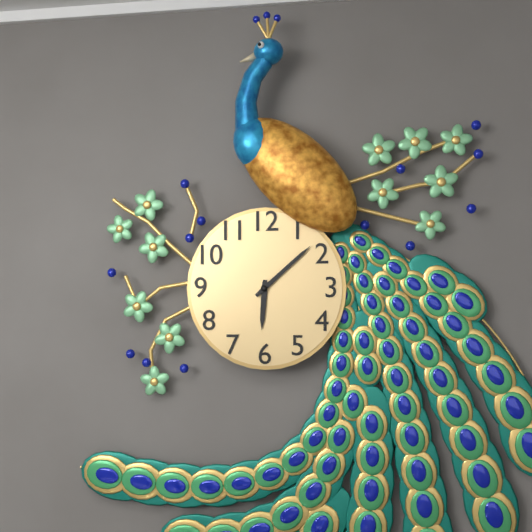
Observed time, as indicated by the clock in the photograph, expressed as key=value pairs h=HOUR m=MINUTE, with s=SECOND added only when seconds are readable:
h=6 m=8
